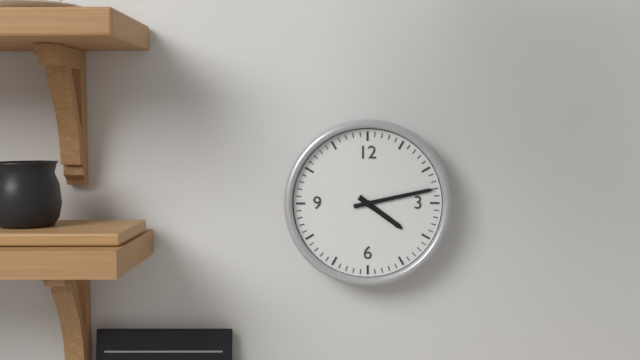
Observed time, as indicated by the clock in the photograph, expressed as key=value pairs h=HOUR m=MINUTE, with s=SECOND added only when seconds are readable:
h=4 m=13
